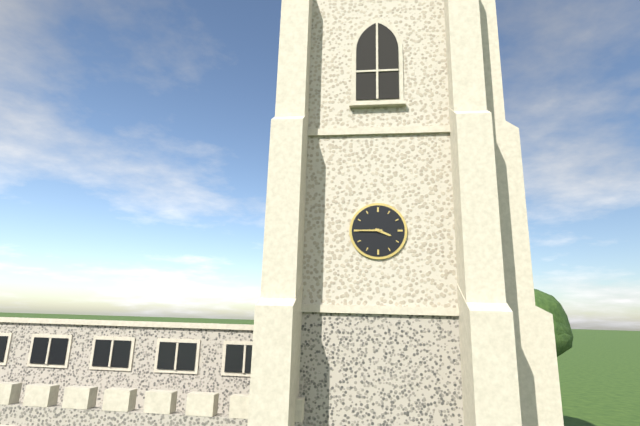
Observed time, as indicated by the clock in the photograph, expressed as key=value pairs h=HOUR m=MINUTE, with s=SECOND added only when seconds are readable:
h=3 m=45
